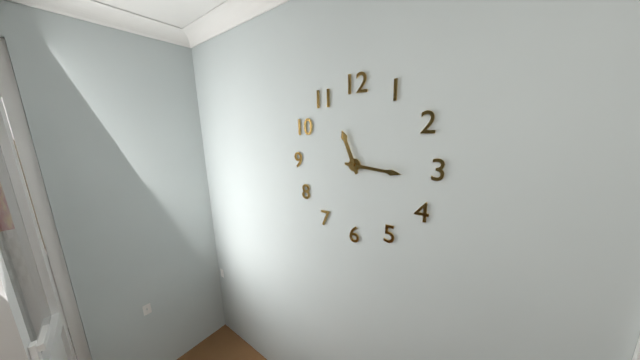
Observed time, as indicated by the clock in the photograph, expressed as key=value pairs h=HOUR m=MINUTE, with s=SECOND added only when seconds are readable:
h=11 m=16
